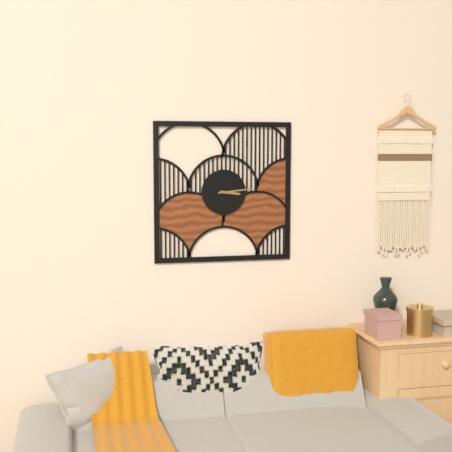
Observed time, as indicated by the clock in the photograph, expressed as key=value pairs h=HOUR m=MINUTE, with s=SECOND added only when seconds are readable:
h=3 m=14
